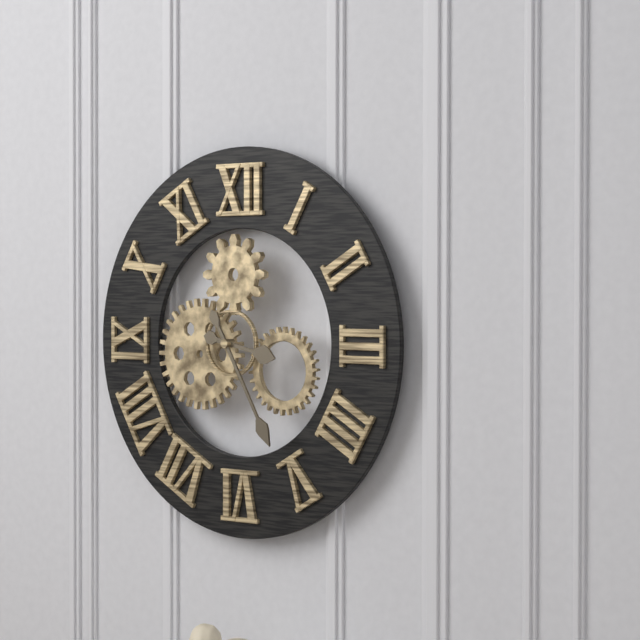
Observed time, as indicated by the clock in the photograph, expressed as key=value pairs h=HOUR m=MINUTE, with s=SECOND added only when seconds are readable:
h=3 m=25
